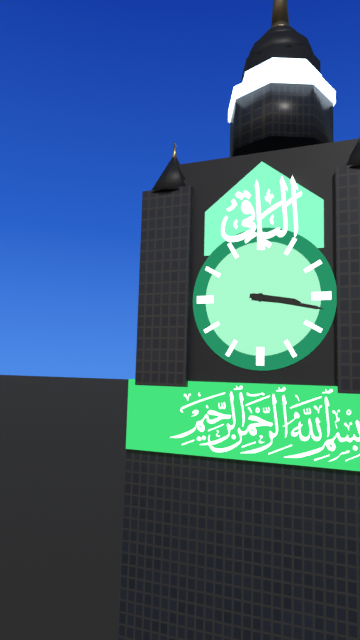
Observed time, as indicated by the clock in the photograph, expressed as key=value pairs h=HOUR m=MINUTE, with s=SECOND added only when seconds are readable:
h=3 m=17
